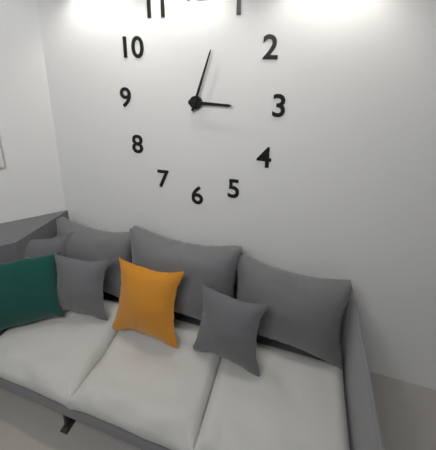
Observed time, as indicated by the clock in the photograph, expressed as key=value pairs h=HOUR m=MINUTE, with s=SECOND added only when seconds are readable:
h=3 m=3
